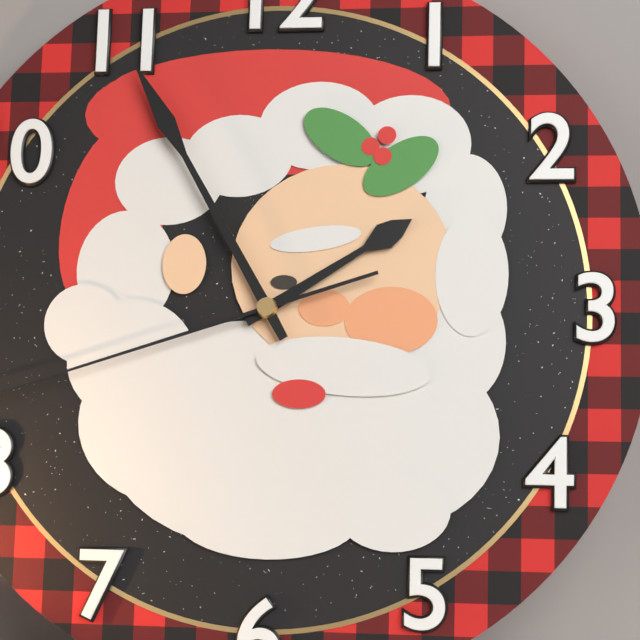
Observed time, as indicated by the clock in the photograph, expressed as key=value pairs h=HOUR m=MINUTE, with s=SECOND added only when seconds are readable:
h=1 m=55
